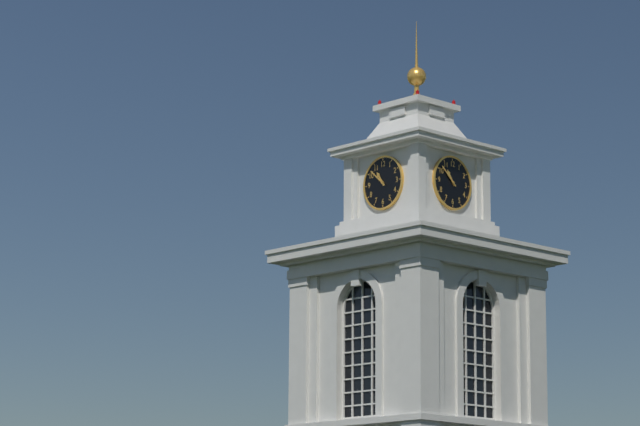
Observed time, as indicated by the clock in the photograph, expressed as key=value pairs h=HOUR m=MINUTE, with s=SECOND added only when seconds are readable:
h=10 m=52
